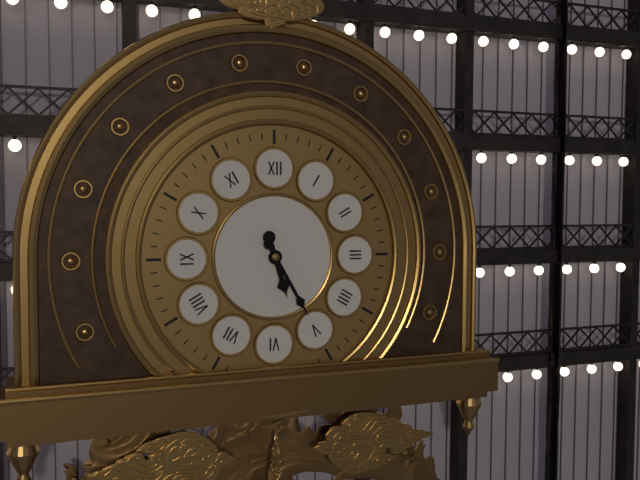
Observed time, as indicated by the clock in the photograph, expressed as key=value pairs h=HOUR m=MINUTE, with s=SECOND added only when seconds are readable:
h=5 m=25
